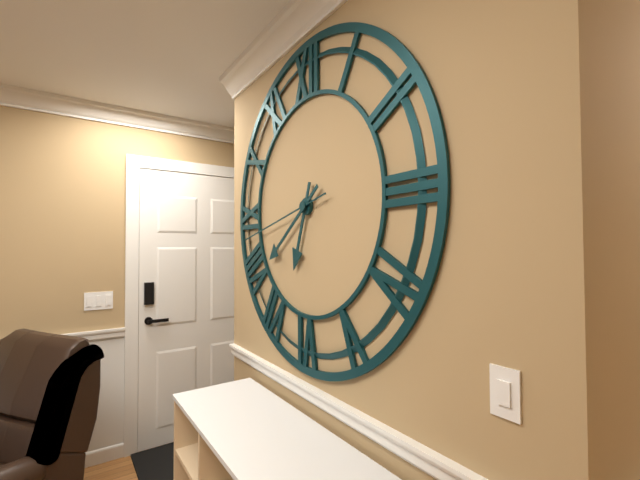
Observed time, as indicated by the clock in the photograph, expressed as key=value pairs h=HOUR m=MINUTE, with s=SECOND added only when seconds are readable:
h=6 m=39 s=43
